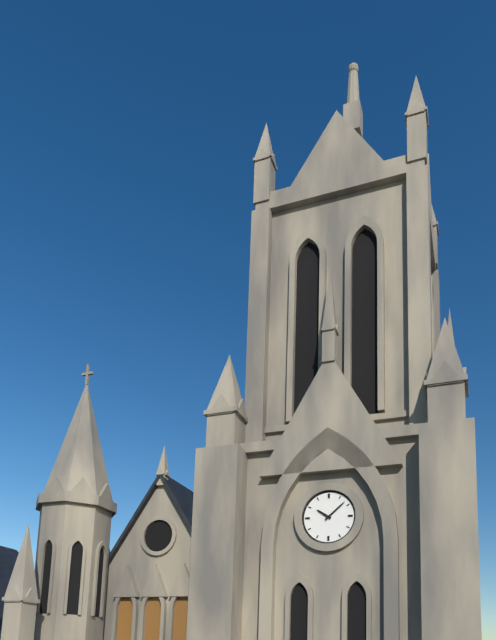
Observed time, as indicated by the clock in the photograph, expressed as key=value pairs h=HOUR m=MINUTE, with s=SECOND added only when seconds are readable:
h=10 m=8
